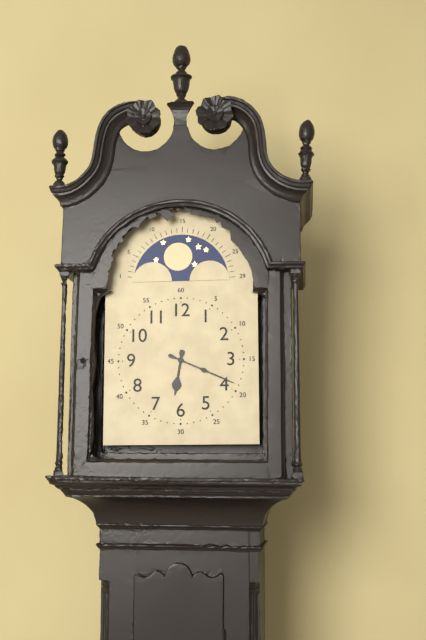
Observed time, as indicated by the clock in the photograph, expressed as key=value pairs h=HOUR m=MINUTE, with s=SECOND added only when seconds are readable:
h=6 m=19
